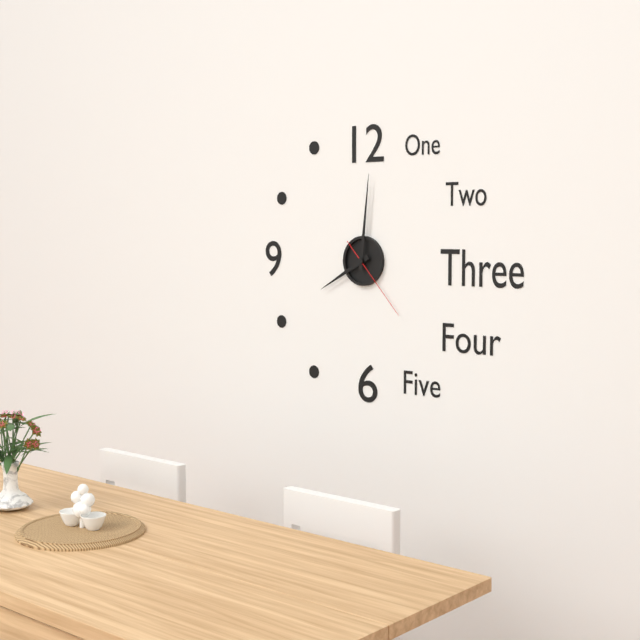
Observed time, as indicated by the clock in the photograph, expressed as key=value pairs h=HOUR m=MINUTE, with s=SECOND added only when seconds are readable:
h=8 m=1 s=23
